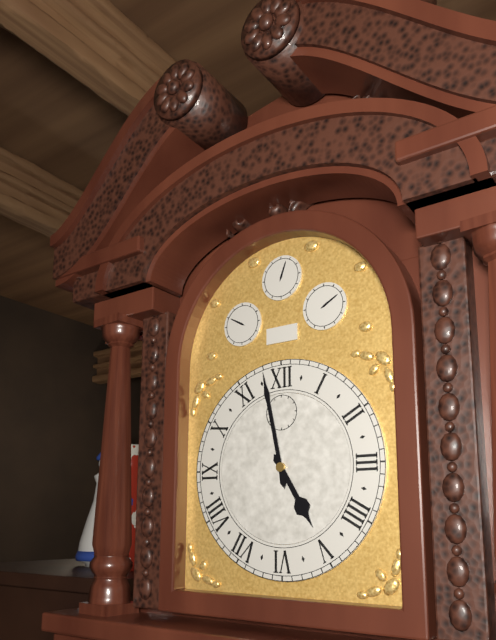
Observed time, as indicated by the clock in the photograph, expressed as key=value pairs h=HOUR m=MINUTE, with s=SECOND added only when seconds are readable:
h=4 m=58
